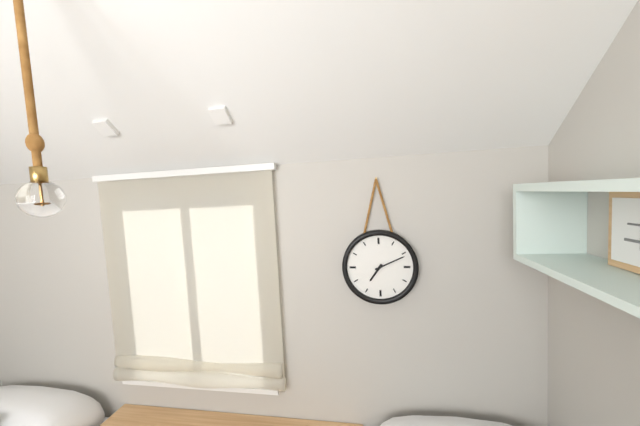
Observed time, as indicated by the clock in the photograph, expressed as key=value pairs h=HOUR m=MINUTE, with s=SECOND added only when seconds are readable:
h=7 m=11
